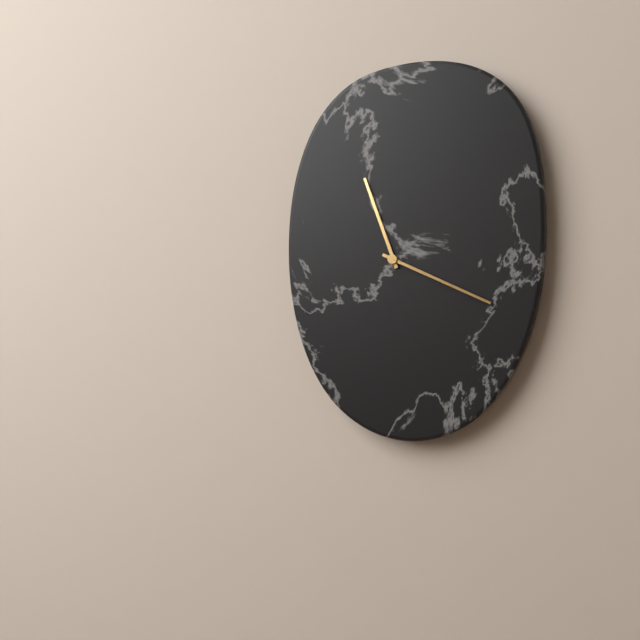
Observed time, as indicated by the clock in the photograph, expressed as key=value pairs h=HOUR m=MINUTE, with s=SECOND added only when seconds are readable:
h=11 m=19
